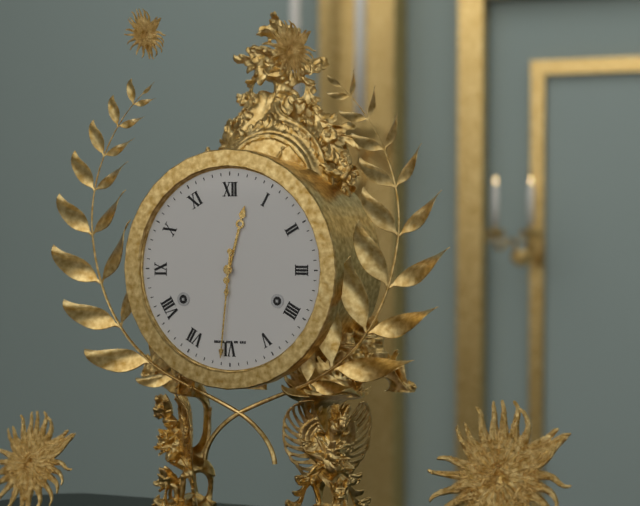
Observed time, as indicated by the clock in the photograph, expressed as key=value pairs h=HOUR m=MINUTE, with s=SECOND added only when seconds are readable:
h=12 m=31
